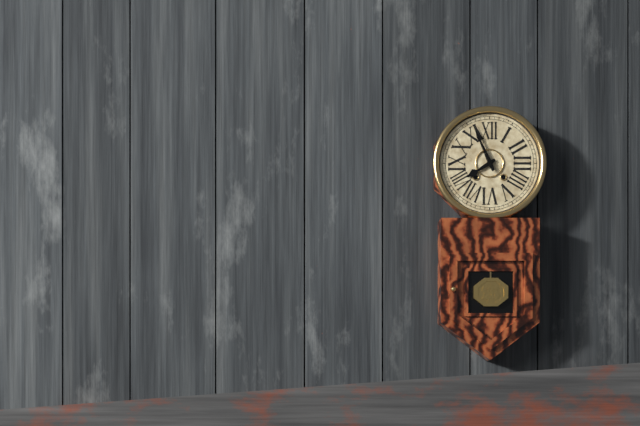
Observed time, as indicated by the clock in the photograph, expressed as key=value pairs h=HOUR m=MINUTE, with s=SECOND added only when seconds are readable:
h=7 m=56
